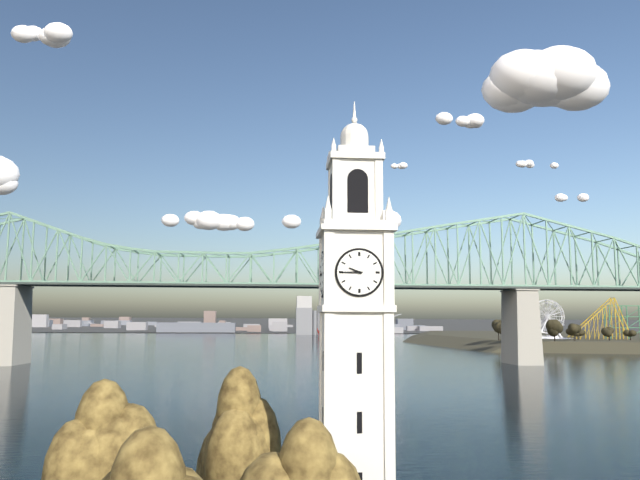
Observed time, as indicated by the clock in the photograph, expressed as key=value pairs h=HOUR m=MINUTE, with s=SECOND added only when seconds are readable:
h=9 m=45
